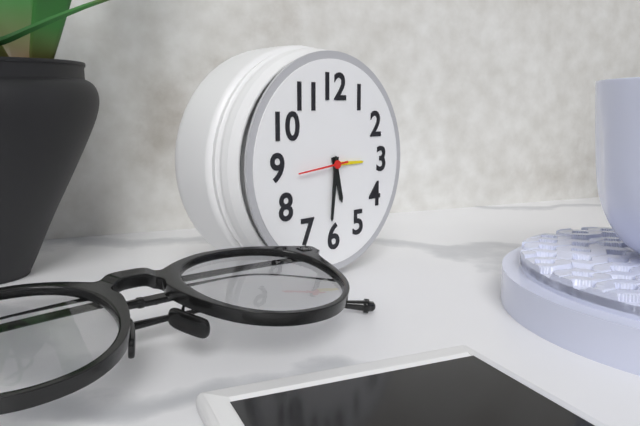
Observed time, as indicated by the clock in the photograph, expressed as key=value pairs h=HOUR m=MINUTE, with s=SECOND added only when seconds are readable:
h=5 m=31
